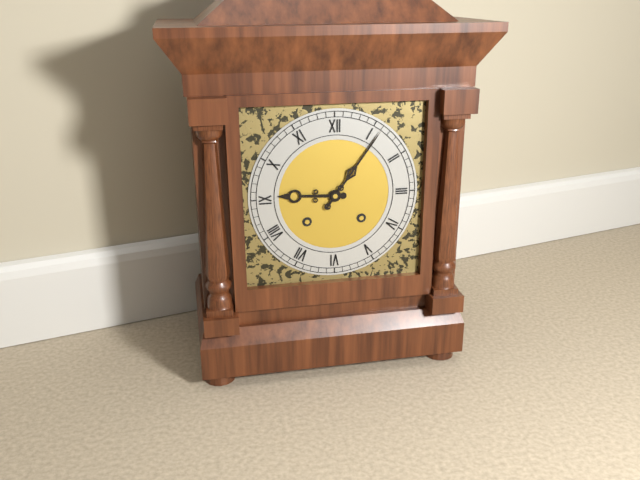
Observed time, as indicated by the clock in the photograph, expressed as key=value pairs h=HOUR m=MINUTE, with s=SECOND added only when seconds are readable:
h=9 m=6
